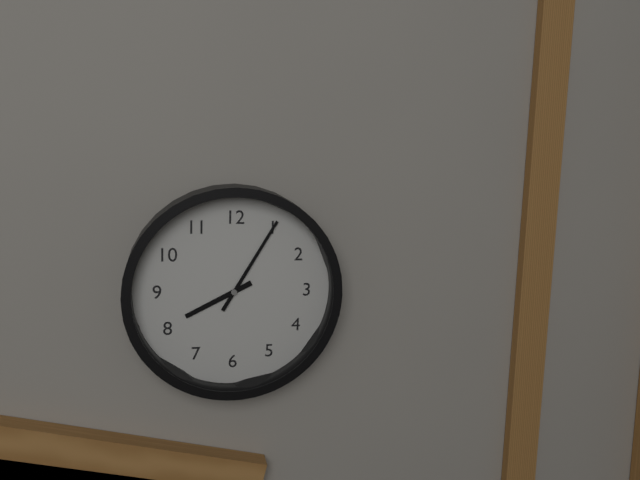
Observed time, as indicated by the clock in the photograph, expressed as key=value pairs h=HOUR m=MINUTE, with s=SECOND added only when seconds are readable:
h=8 m=5
